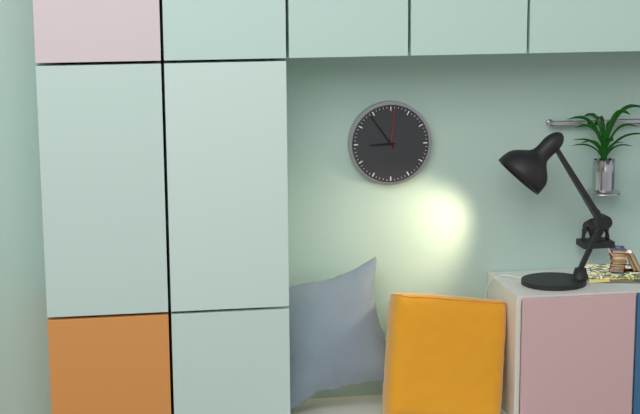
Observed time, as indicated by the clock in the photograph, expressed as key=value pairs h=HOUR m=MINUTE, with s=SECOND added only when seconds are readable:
h=8 m=54
